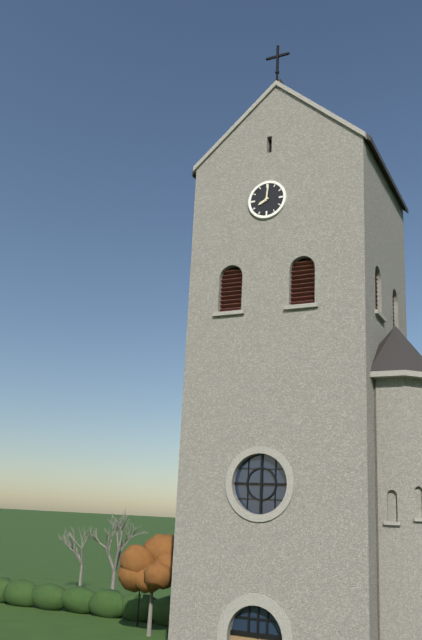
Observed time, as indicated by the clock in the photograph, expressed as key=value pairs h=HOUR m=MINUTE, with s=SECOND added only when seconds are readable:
h=8 m=1
